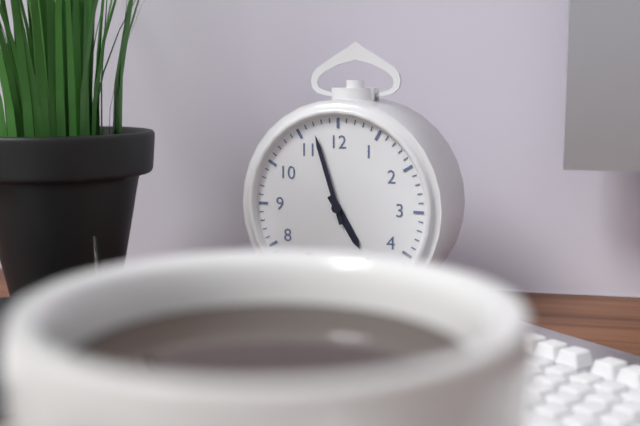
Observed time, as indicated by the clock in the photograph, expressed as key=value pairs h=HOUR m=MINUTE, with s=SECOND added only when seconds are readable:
h=4 m=57
